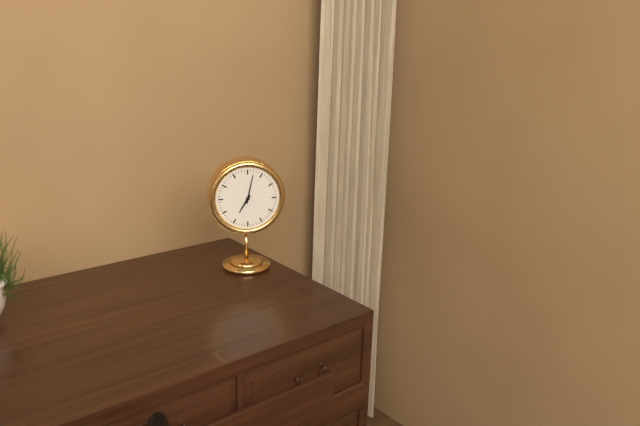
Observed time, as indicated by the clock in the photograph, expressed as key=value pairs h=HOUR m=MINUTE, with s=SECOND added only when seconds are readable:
h=7 m=2
